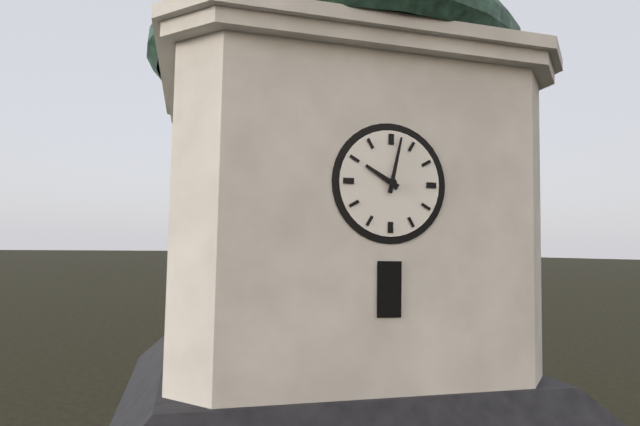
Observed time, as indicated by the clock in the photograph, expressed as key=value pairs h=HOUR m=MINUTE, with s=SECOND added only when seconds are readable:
h=10 m=2
